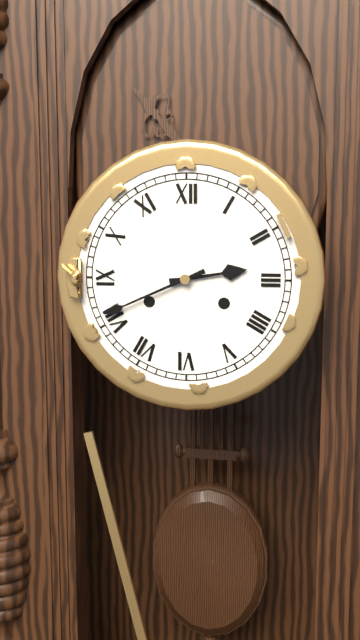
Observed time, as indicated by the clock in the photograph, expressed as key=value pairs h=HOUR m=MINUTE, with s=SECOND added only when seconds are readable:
h=2 m=41
